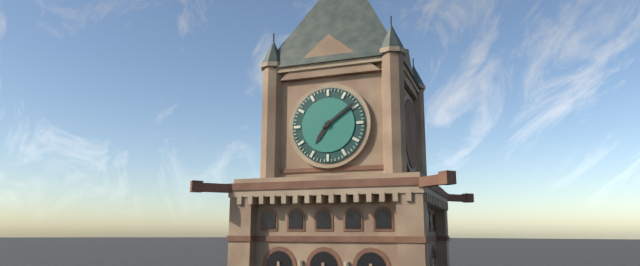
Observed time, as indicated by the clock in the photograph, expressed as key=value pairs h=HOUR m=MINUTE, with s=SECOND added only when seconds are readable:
h=7 m=9
